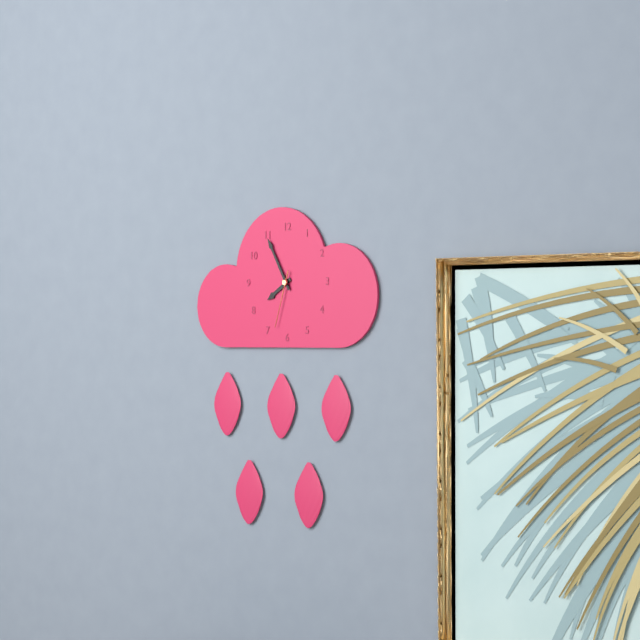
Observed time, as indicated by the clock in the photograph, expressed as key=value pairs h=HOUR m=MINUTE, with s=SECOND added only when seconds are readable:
h=7 m=55 s=33
